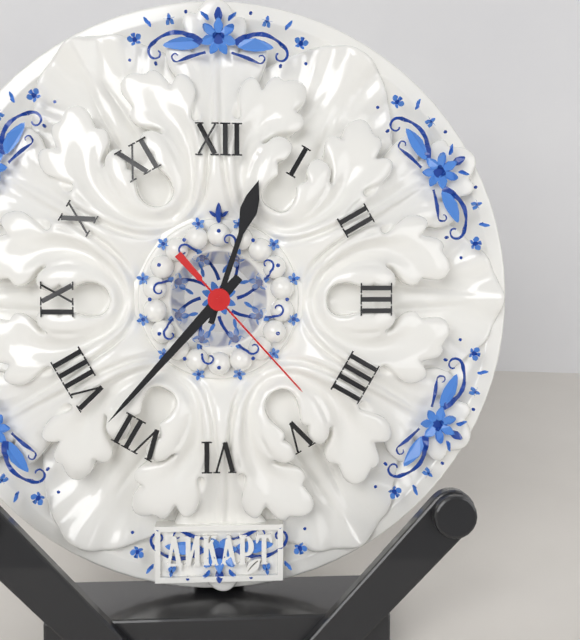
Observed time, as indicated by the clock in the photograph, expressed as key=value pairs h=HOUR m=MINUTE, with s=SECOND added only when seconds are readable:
h=12 m=37 s=23
